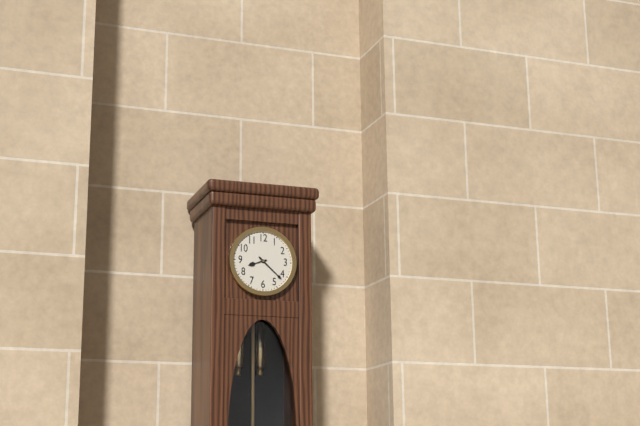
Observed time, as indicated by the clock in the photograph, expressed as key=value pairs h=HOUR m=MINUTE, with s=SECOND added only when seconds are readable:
h=8 m=22
